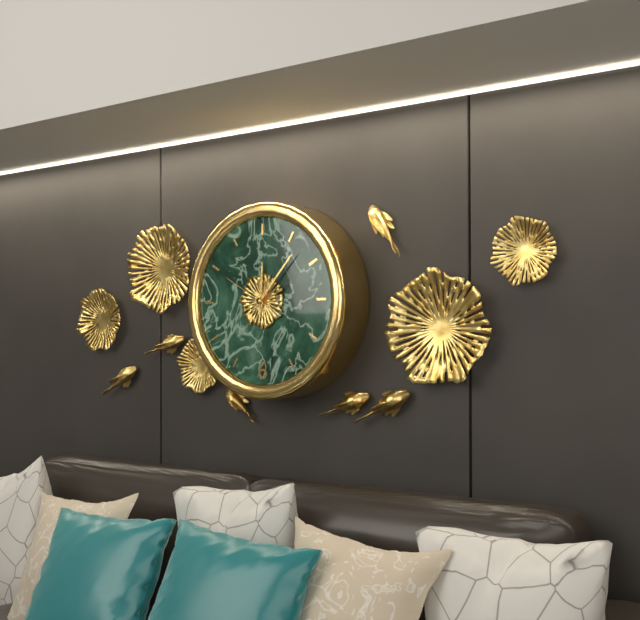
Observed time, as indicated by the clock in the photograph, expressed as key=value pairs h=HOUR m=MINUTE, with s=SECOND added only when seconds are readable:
h=12 m=7 s=50
